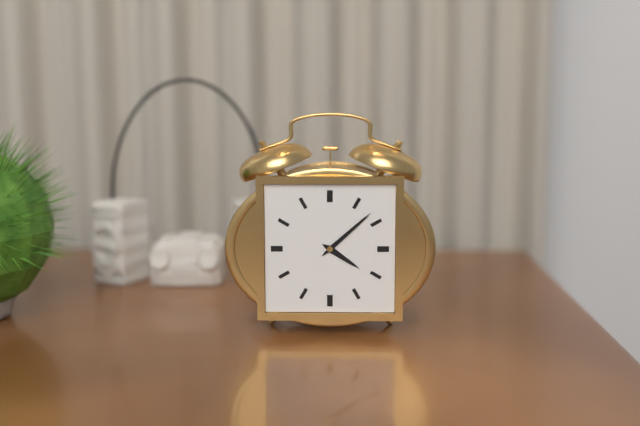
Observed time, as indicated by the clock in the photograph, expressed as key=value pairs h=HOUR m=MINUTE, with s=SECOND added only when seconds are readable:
h=4 m=8
